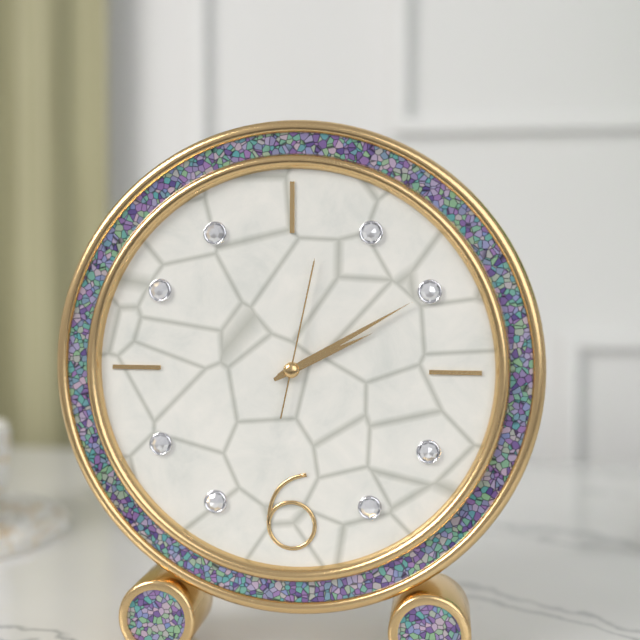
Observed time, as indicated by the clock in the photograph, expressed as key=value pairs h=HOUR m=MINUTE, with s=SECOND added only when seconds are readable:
h=2 m=10 s=2
